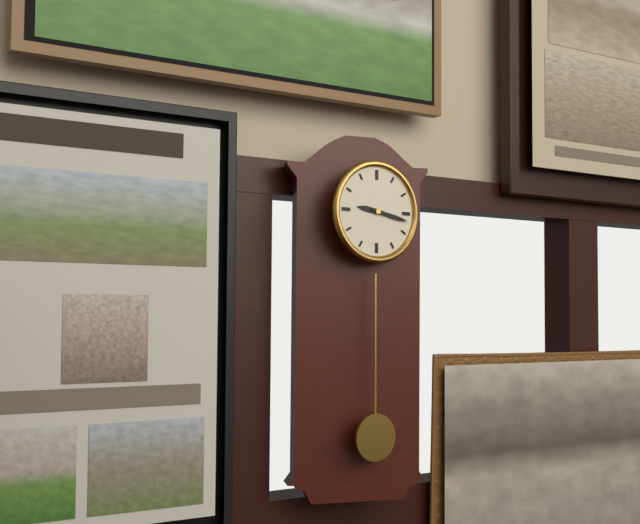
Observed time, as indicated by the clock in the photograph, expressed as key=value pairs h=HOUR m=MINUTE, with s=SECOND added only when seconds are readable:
h=9 m=17
